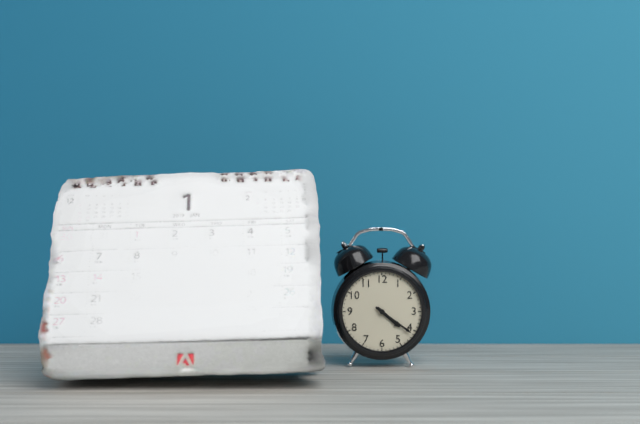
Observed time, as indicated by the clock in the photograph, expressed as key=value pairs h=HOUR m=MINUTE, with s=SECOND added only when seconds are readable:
h=4 m=21
